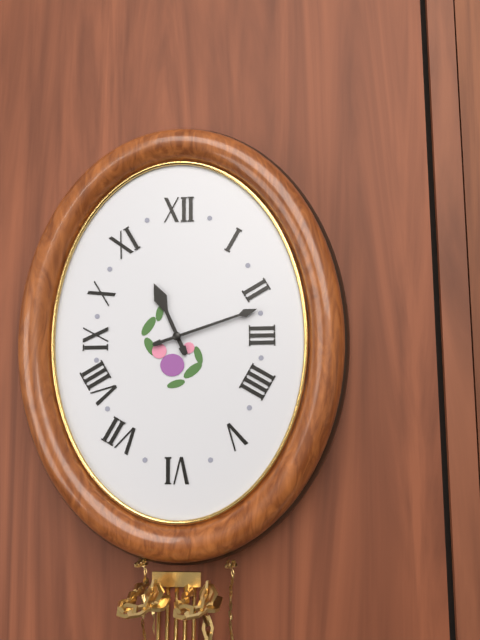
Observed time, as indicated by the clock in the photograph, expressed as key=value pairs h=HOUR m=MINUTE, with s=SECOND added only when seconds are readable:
h=11 m=12
